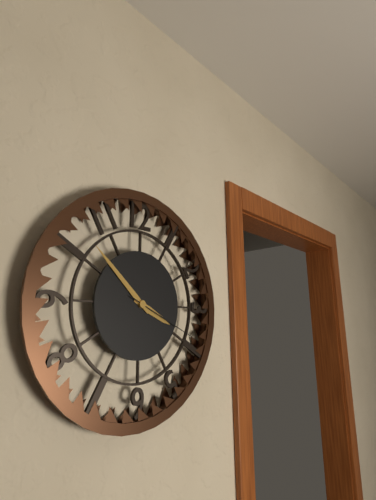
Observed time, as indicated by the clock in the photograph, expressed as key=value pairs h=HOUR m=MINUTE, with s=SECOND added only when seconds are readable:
h=3 m=52 s=19
